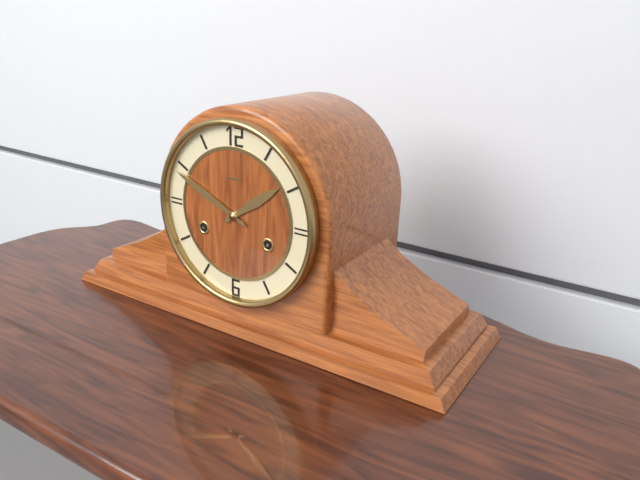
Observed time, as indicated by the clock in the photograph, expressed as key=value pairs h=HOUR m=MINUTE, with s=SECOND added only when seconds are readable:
h=1 m=49
